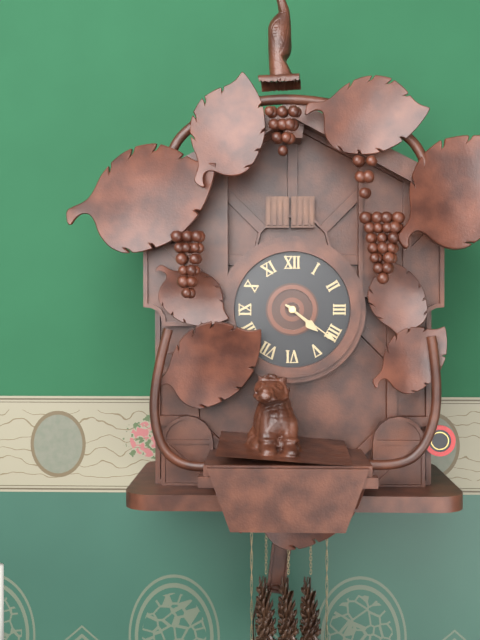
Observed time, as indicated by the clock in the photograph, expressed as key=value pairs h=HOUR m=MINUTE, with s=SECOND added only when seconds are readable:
h=4 m=21
